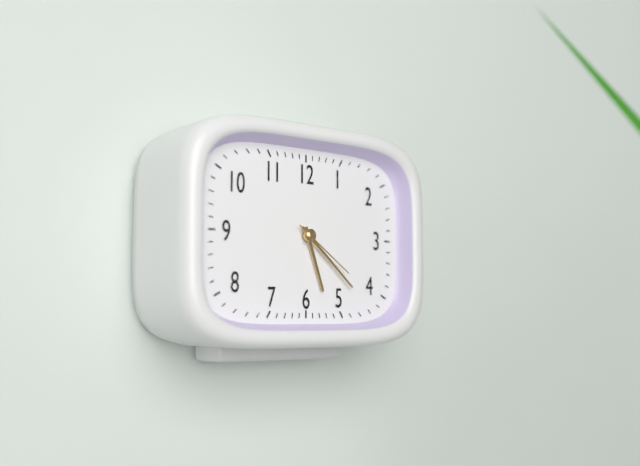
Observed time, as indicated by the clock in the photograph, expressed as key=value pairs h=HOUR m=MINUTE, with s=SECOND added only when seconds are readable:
h=5 m=22 s=21
